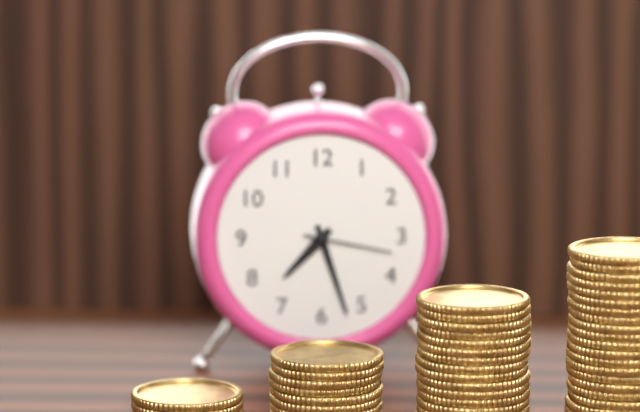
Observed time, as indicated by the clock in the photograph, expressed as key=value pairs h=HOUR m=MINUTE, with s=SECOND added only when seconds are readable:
h=7 m=27 s=17
